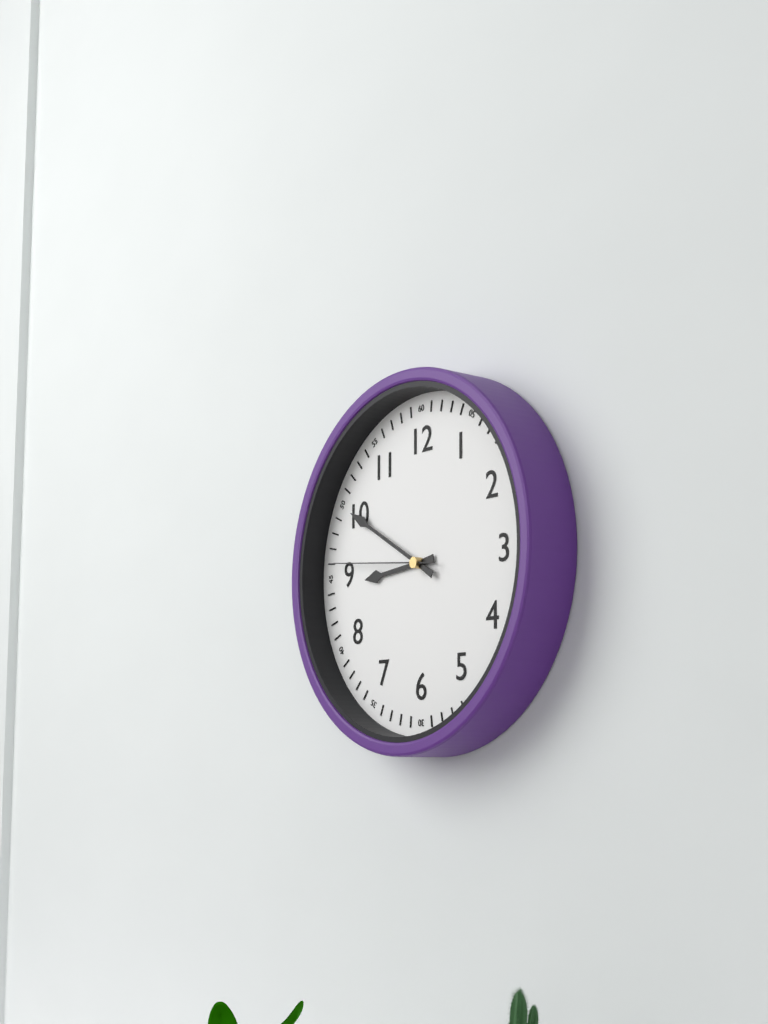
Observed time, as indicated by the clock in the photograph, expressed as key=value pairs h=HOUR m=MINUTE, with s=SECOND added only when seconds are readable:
h=8 m=50 s=46
